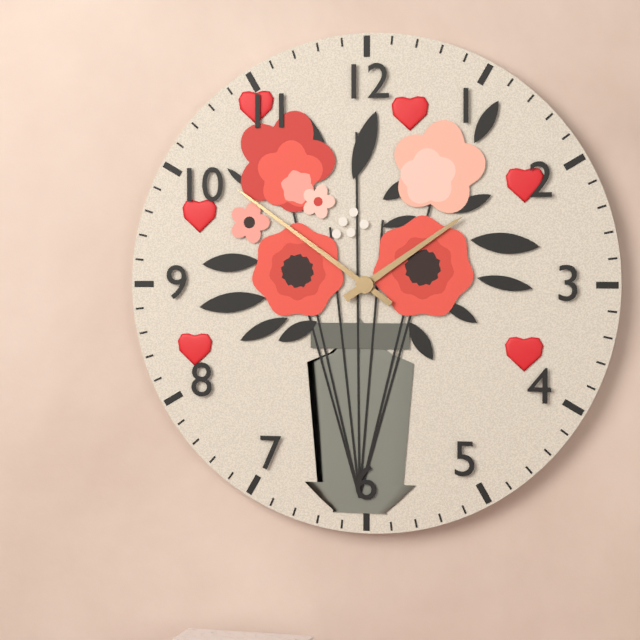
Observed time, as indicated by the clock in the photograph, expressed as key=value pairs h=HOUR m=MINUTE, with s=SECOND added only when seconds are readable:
h=1 m=51
